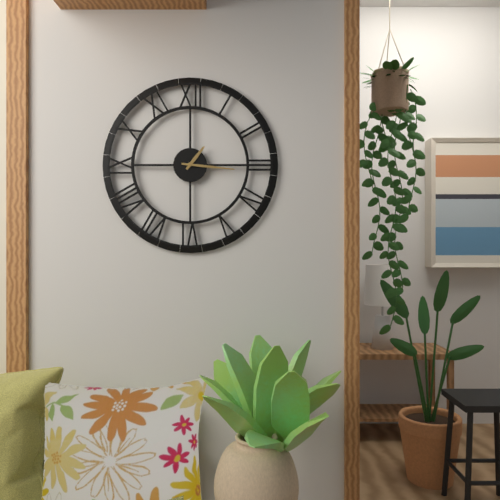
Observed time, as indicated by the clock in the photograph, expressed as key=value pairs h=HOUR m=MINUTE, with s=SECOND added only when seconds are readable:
h=1 m=16
